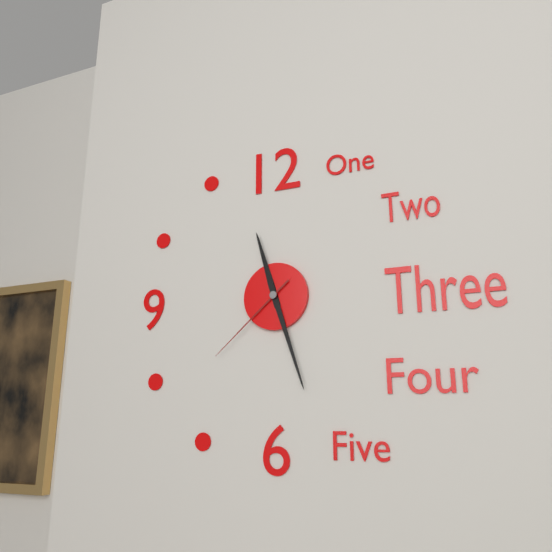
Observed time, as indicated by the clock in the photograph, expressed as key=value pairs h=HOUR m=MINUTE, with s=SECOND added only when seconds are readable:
h=11 m=27 s=38
